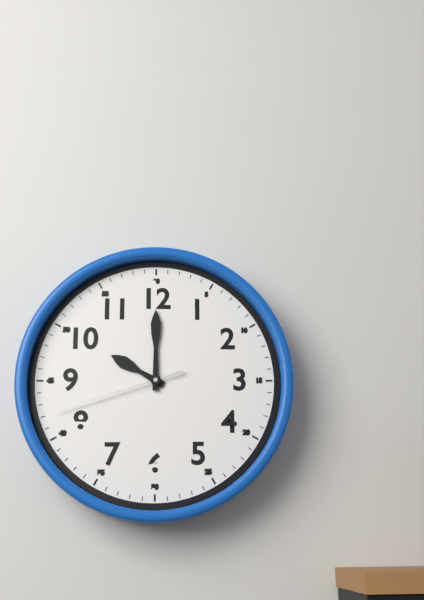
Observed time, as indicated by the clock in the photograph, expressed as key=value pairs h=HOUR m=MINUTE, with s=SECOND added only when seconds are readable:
h=10 m=0 s=42
